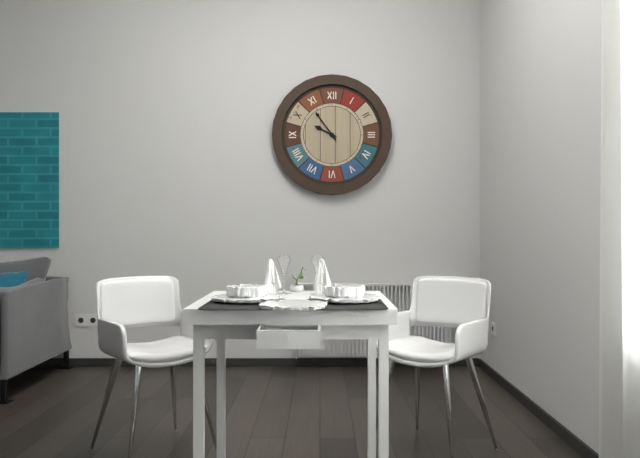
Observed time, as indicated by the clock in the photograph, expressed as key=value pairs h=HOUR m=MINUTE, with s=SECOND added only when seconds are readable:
h=9 m=54
